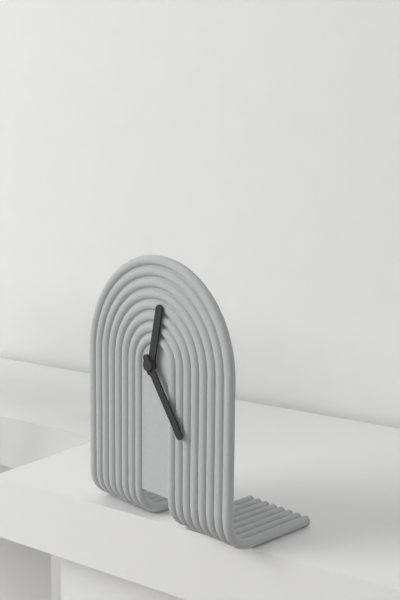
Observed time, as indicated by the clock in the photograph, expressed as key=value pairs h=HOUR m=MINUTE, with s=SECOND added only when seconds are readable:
h=12 m=24
